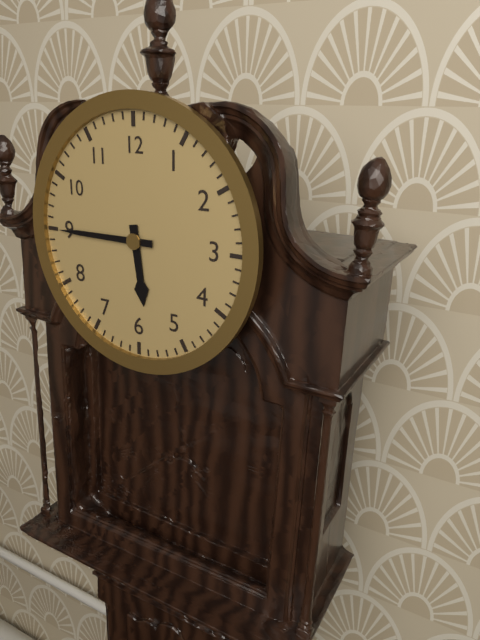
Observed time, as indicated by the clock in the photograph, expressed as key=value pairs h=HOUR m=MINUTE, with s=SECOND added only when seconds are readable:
h=5 m=45
